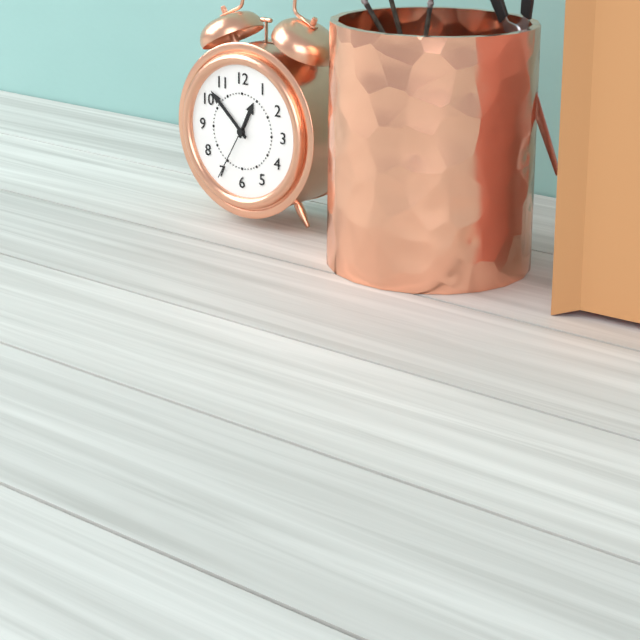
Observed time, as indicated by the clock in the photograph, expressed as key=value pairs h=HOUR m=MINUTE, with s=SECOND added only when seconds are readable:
h=12 m=52 s=35
